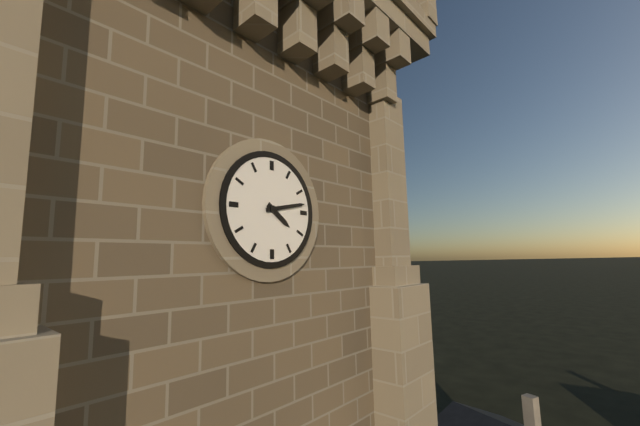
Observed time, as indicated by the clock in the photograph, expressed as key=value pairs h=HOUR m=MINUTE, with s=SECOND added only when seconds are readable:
h=4 m=13
